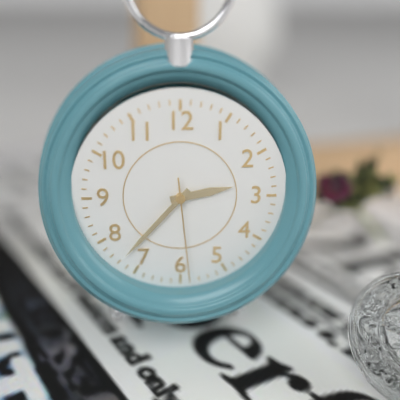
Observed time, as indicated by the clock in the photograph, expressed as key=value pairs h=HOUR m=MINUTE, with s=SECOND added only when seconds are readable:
h=2 m=37 s=29
